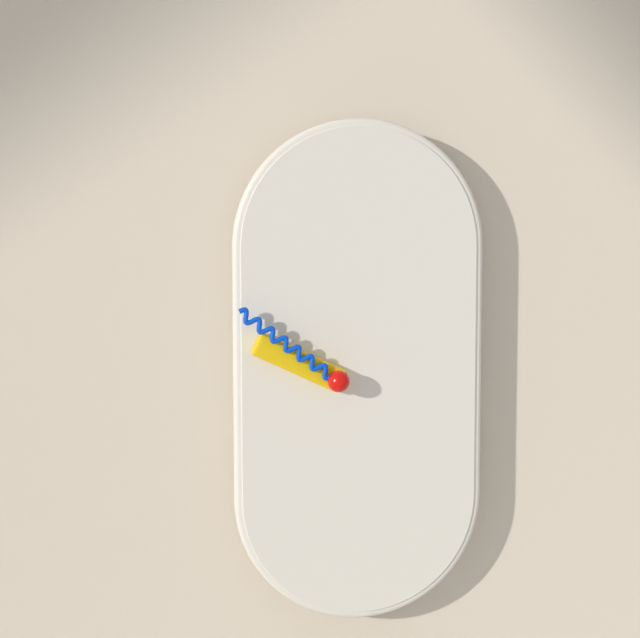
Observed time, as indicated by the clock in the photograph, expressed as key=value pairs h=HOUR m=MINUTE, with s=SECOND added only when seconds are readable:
h=9 m=51
